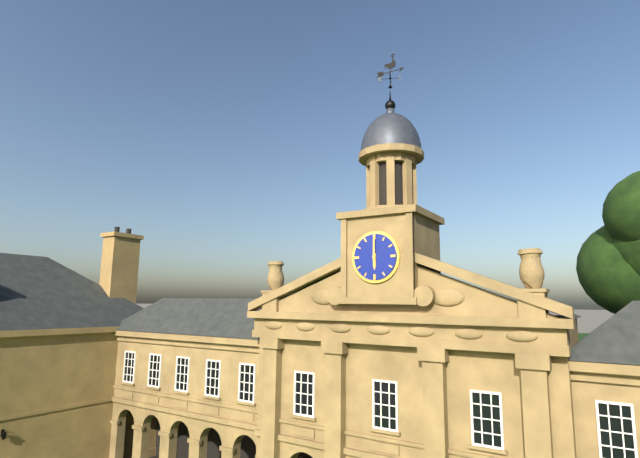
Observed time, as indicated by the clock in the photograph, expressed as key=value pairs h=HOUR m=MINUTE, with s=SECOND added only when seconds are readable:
h=6 m=0
